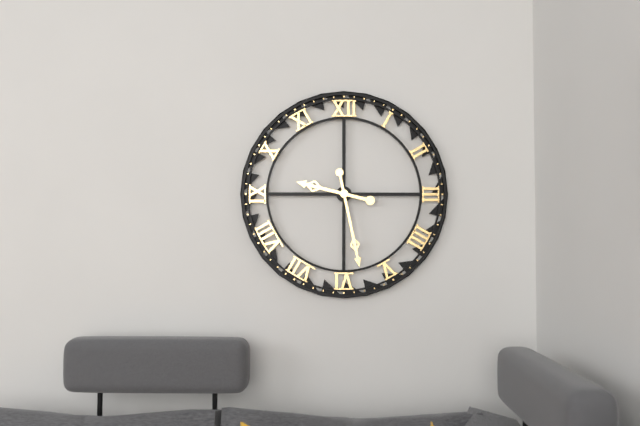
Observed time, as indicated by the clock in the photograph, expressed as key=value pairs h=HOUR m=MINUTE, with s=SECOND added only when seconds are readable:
h=9 m=28
